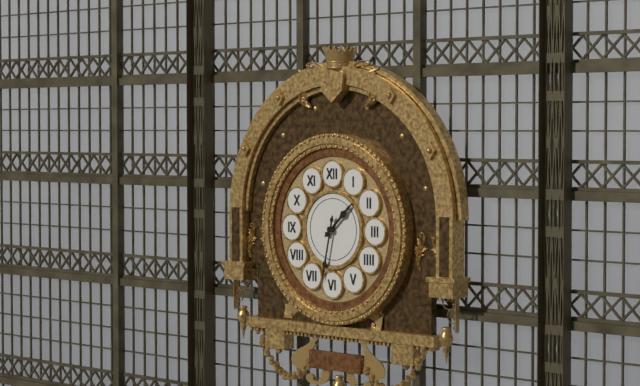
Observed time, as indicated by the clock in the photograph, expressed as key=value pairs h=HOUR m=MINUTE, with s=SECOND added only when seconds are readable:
h=1 m=32
